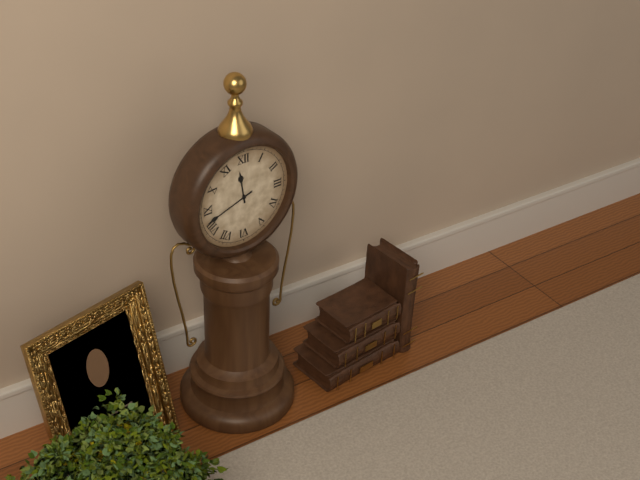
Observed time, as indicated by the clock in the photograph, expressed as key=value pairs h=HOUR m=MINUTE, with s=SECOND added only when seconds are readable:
h=11 m=42
